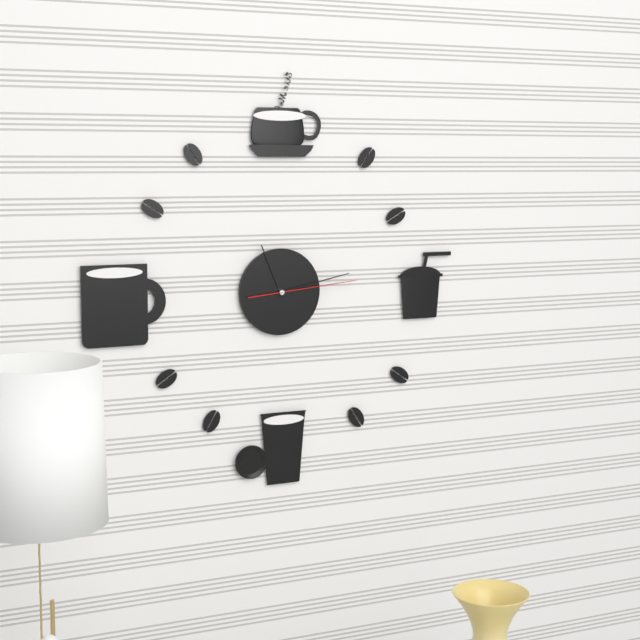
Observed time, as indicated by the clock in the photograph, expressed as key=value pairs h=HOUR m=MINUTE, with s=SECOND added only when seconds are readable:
h=11 m=13 s=14
